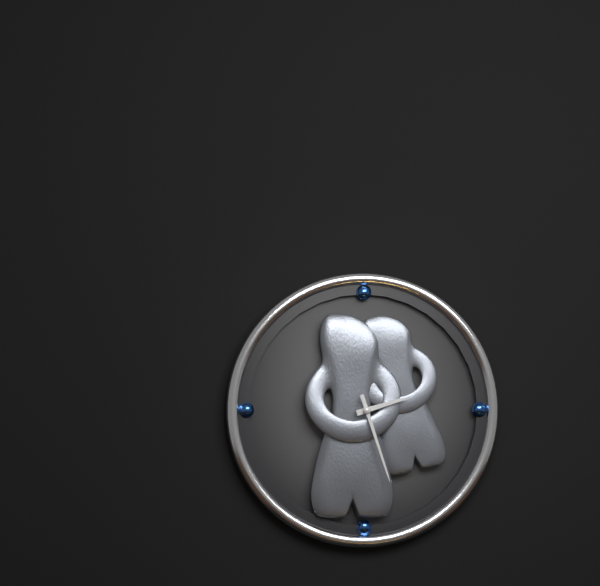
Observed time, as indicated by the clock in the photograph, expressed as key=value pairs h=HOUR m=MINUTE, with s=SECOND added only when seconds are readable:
h=2 m=27
